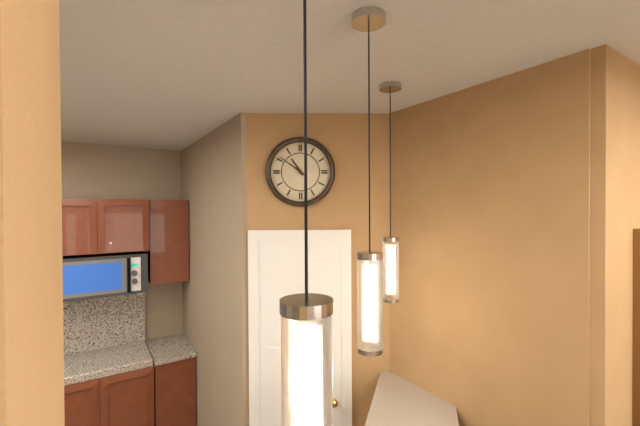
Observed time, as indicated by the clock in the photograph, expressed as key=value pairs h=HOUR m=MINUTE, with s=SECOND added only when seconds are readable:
h=10 m=51
